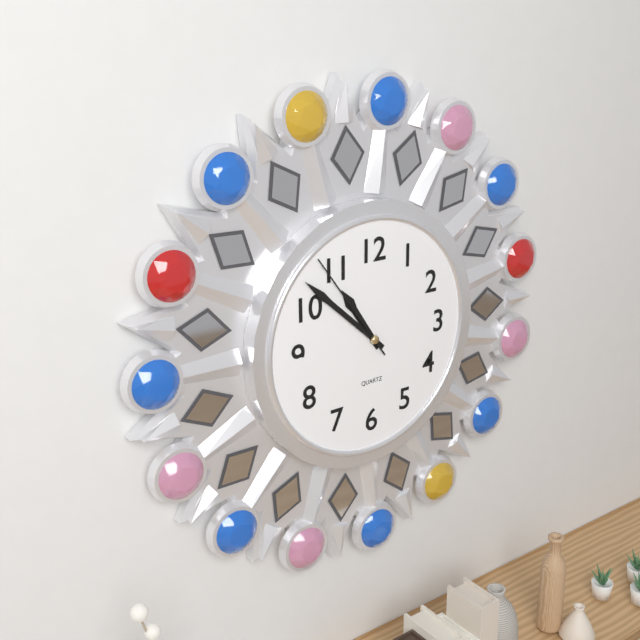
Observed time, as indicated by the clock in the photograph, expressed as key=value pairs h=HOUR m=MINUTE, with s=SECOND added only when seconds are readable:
h=10 m=52 s=54
